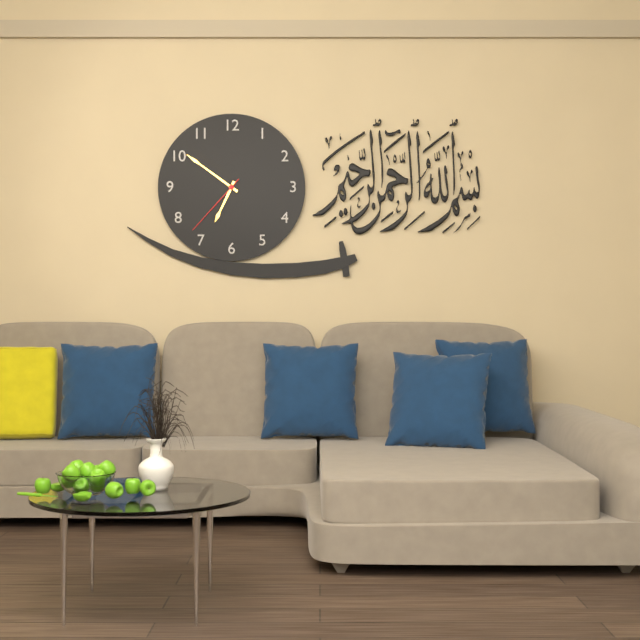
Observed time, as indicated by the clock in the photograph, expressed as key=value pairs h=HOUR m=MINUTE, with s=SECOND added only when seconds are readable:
h=6 m=51 s=37
